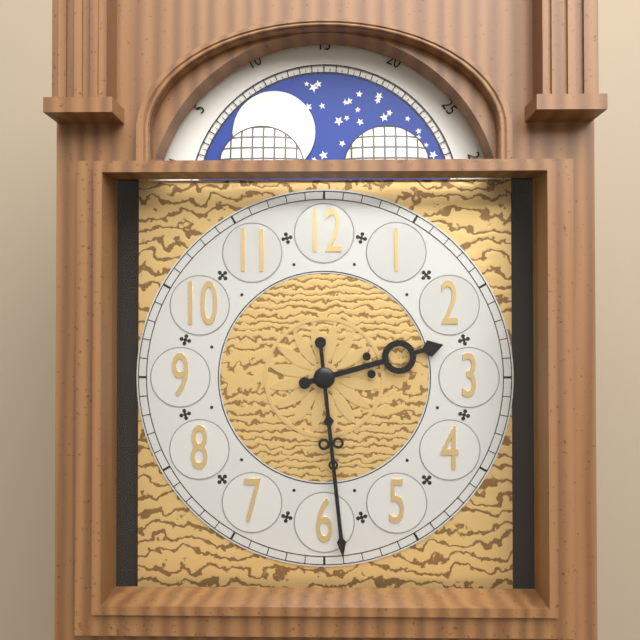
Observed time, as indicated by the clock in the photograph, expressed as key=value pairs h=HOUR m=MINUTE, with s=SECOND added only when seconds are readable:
h=2 m=29
